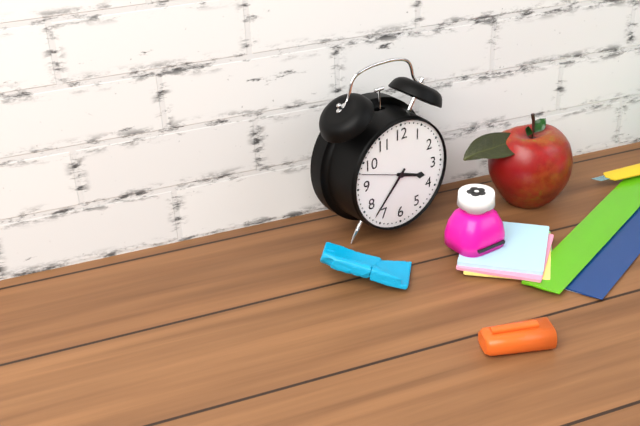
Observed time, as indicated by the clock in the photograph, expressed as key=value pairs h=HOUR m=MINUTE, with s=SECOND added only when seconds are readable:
h=3 m=37
